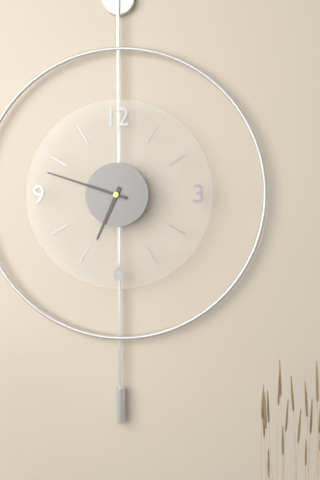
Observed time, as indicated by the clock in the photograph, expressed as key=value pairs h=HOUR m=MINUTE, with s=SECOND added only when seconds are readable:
h=6 m=48
